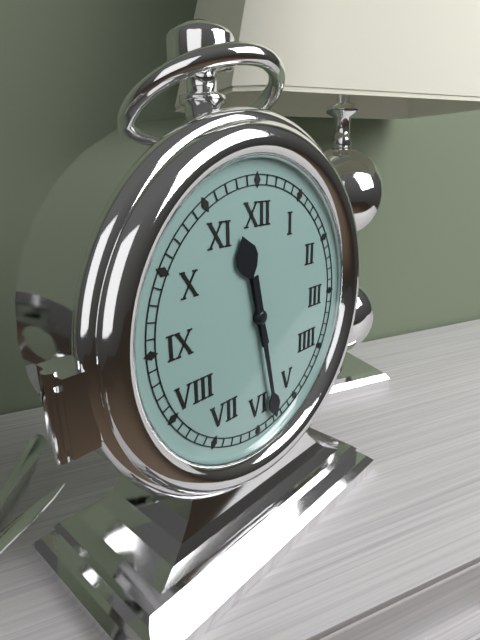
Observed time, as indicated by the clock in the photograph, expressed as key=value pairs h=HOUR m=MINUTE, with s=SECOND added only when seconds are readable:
h=11 m=28
